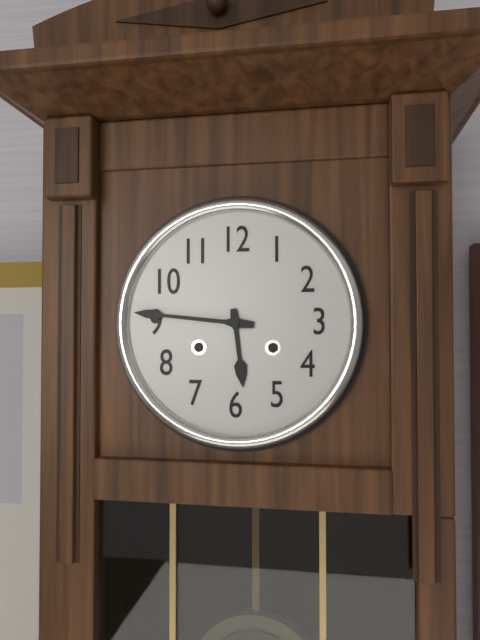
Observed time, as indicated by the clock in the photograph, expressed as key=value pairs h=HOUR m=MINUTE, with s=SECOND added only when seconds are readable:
h=5 m=46
